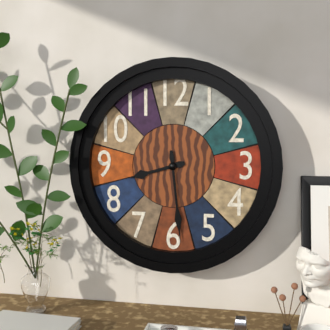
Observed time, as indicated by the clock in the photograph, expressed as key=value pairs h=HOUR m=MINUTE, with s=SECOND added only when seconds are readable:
h=8 m=29
